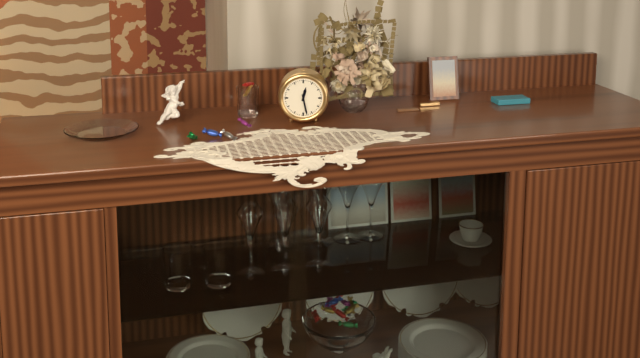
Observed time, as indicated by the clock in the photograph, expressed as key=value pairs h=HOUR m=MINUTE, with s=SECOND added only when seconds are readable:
h=12 m=28
